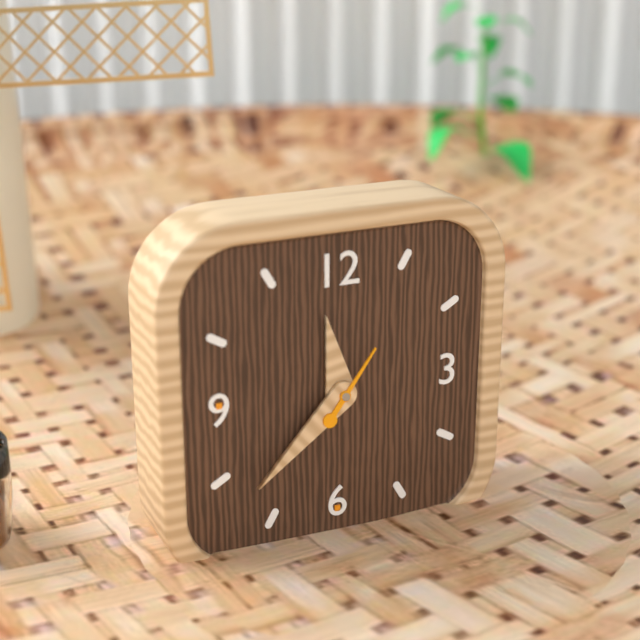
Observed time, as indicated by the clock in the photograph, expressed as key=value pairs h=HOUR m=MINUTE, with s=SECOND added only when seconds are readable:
h=11 m=38 s=6
